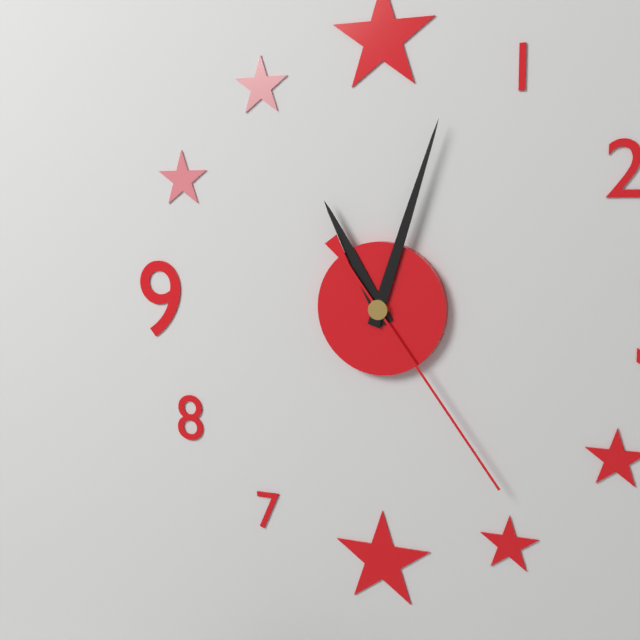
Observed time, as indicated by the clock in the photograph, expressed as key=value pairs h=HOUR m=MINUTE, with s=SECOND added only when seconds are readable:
h=11 m=3 s=24
